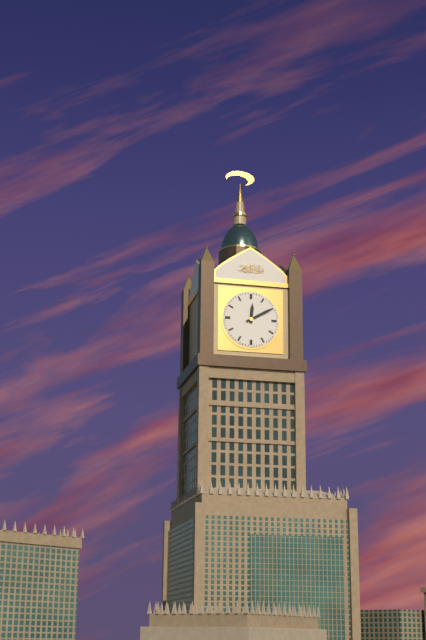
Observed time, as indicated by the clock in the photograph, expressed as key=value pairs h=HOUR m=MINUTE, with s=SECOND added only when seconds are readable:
h=12 m=10
